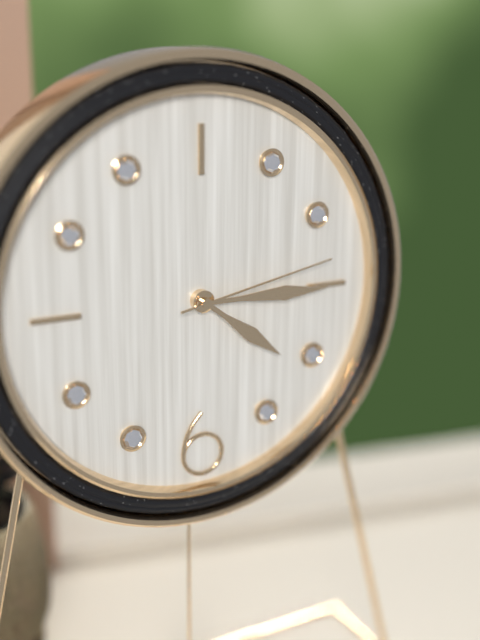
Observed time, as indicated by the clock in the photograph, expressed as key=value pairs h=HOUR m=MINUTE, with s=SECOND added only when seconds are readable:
h=4 m=15 s=13
